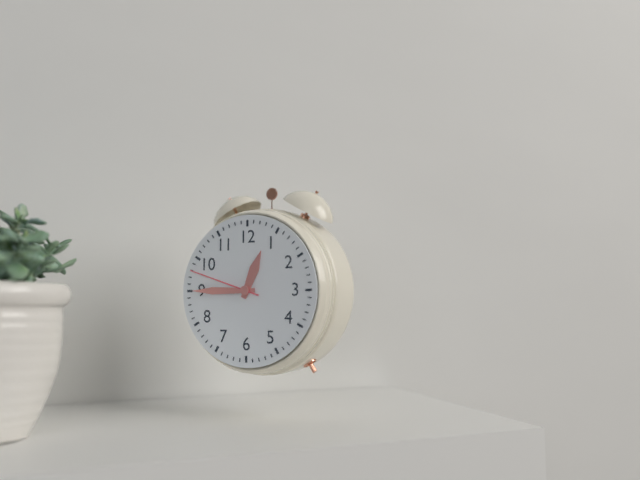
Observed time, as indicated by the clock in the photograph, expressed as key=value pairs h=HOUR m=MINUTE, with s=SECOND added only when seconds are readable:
h=12 m=45 s=48
